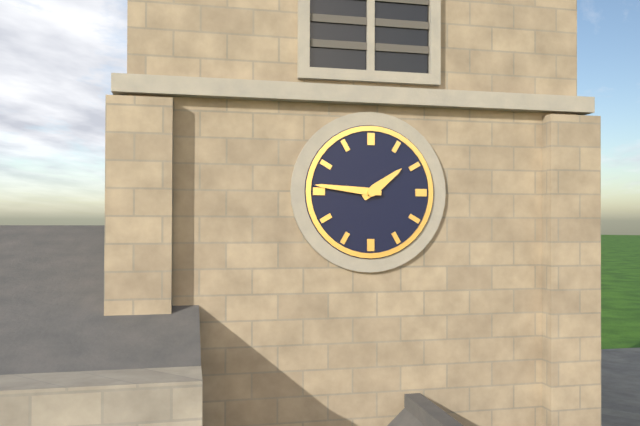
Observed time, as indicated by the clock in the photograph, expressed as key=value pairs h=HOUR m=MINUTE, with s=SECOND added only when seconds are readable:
h=1 m=46
